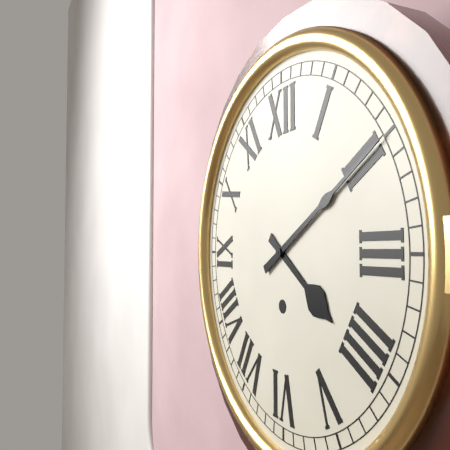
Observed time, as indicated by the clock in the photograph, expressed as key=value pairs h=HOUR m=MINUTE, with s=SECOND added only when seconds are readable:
h=4 m=10
